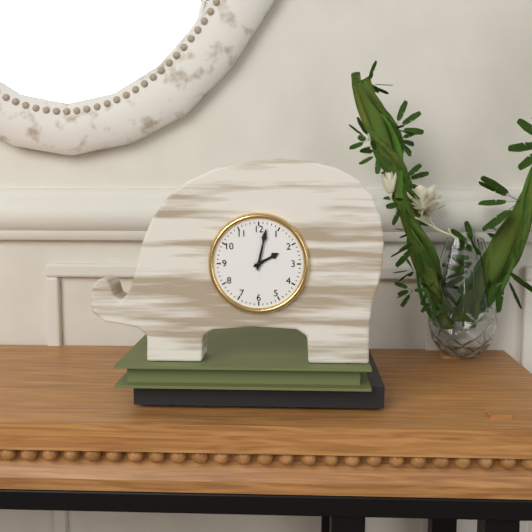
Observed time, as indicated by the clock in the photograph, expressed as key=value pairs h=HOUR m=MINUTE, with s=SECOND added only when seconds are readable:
h=2 m=2
